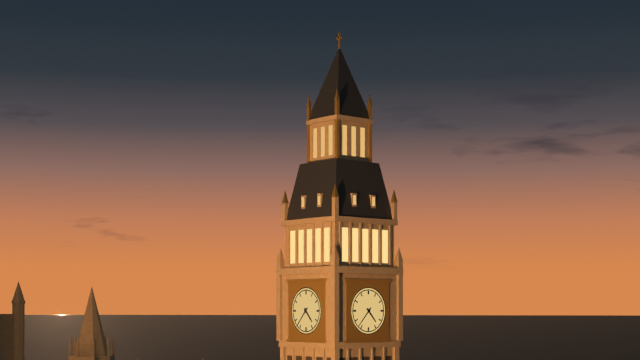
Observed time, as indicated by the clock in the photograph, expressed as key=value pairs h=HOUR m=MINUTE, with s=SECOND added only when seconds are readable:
h=4 m=37
